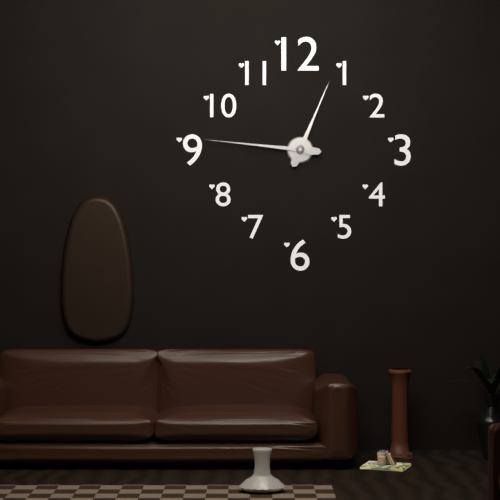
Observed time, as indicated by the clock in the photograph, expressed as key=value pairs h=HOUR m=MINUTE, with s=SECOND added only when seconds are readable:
h=12 m=46
